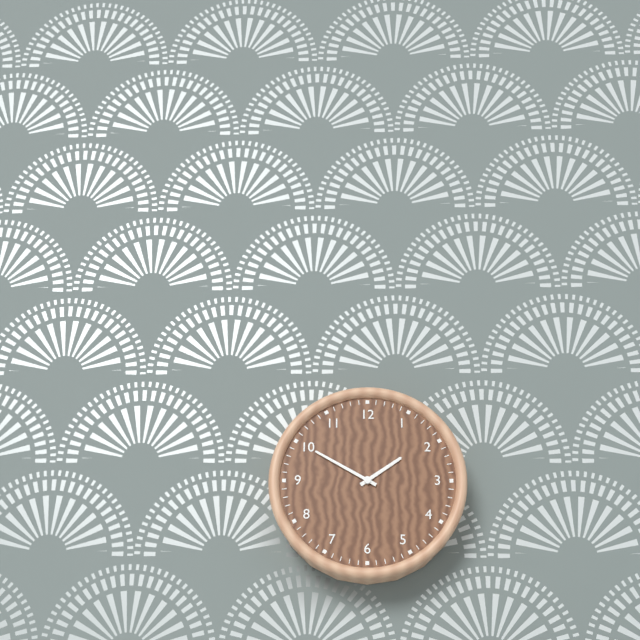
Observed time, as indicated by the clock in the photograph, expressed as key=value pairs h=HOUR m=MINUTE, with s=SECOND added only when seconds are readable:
h=1 m=50
